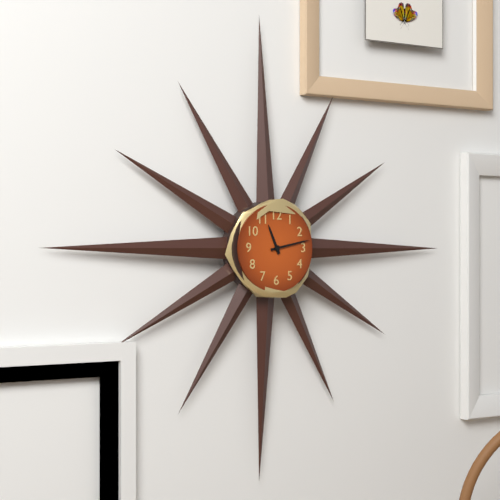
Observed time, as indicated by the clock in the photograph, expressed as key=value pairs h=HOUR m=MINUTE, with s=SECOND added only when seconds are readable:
h=11 m=13
